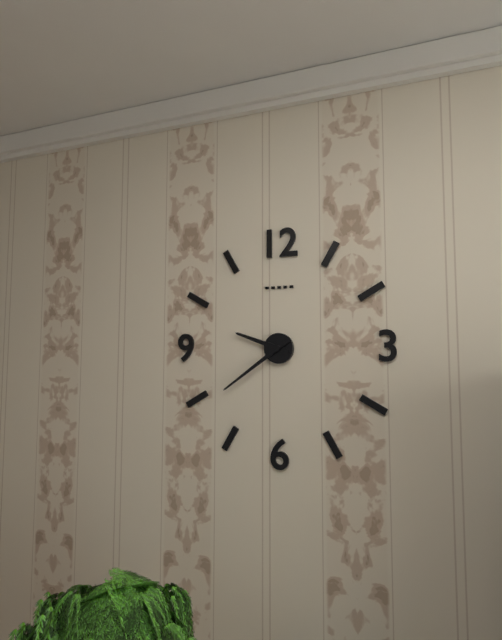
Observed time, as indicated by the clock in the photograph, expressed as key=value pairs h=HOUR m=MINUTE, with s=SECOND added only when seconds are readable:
h=9 m=39
